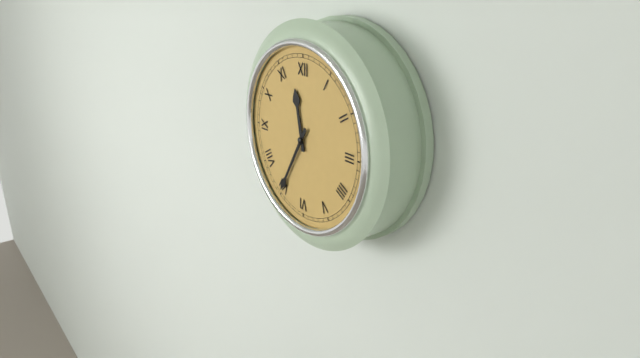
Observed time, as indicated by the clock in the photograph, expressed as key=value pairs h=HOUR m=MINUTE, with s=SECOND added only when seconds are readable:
h=11 m=35
